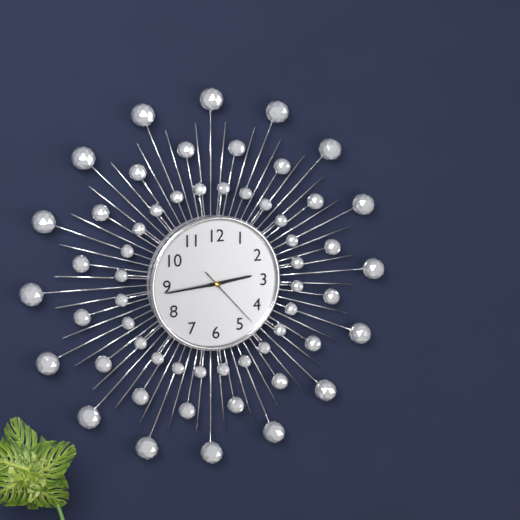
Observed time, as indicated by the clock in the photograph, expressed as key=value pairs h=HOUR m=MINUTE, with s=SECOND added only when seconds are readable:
h=2 m=44 s=23
